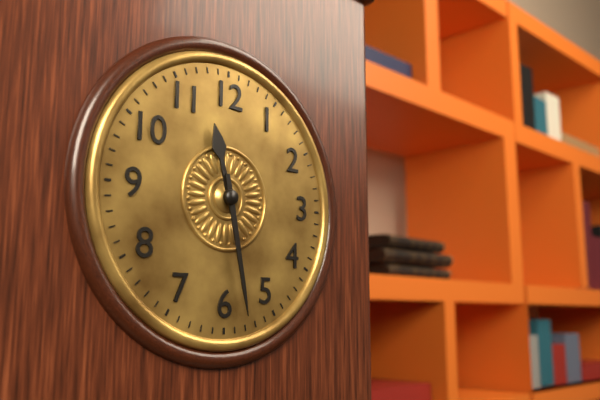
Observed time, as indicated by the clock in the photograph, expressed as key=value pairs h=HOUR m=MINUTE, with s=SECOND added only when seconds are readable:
h=11 m=28
